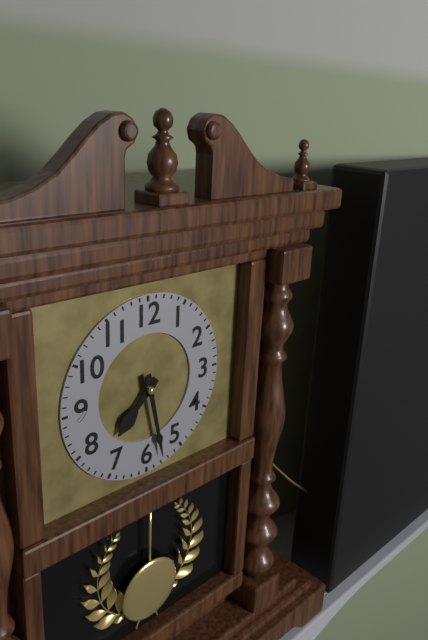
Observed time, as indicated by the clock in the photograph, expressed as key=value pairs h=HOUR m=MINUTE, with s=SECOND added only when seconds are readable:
h=7 m=28
